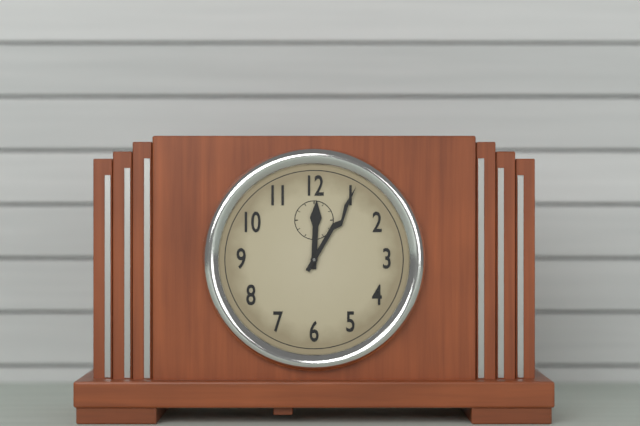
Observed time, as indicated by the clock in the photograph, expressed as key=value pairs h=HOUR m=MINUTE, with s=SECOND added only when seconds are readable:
h=12 m=5
